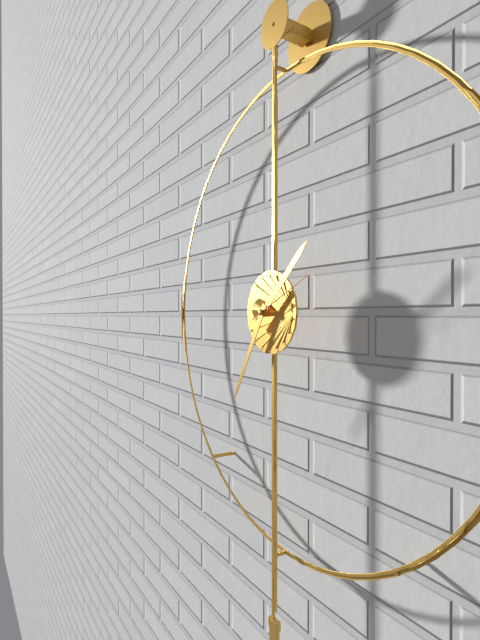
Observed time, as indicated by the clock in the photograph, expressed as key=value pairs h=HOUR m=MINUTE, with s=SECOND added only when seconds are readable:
h=1 m=35 s=11
